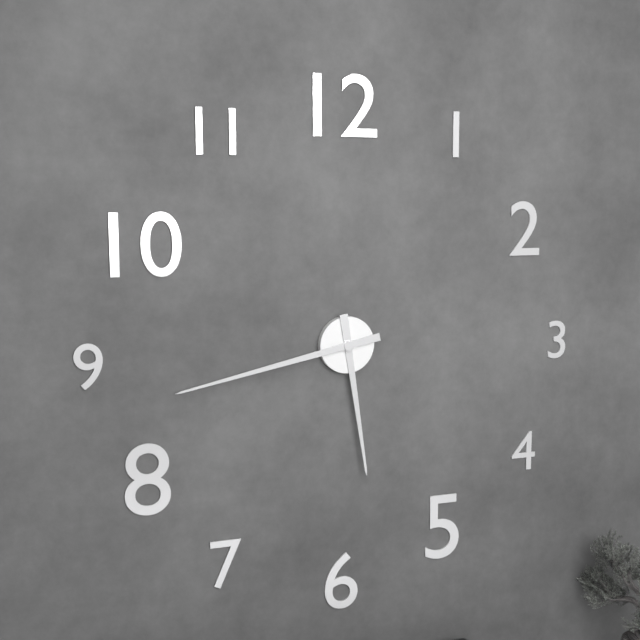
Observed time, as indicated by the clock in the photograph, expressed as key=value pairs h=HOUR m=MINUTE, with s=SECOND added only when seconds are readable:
h=5 m=43
